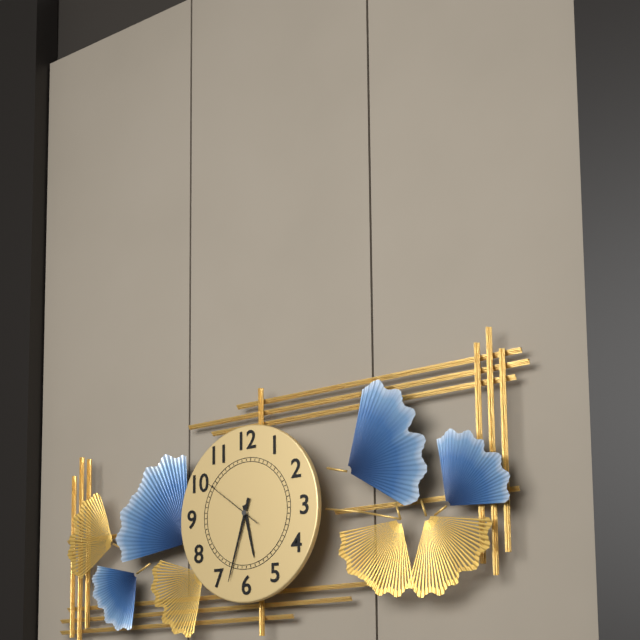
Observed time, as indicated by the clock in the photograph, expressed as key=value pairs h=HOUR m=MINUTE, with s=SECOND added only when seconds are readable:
h=5 m=33 s=51
